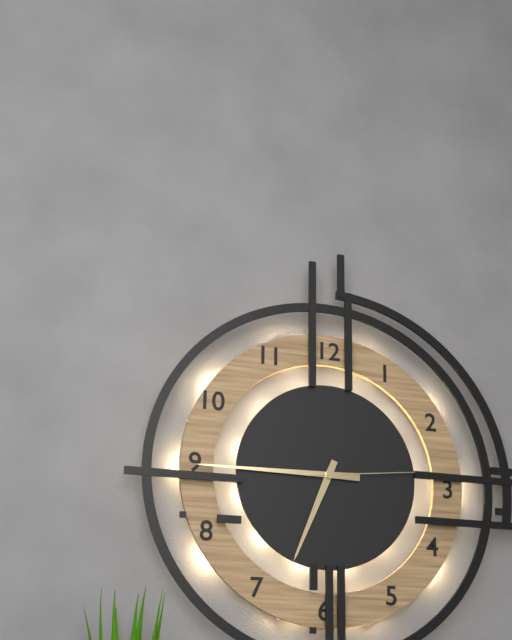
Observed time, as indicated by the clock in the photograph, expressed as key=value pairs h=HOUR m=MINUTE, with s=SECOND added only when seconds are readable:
h=6 m=45 s=14
